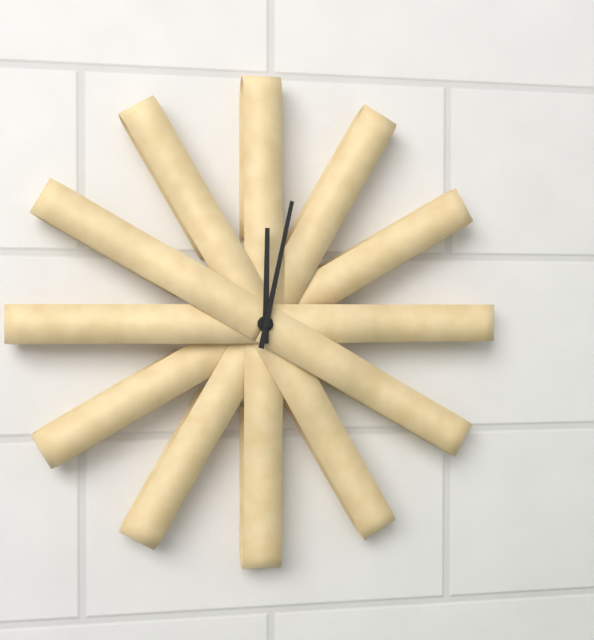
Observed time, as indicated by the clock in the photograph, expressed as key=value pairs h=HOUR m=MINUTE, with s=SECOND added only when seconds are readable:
h=12 m=2
